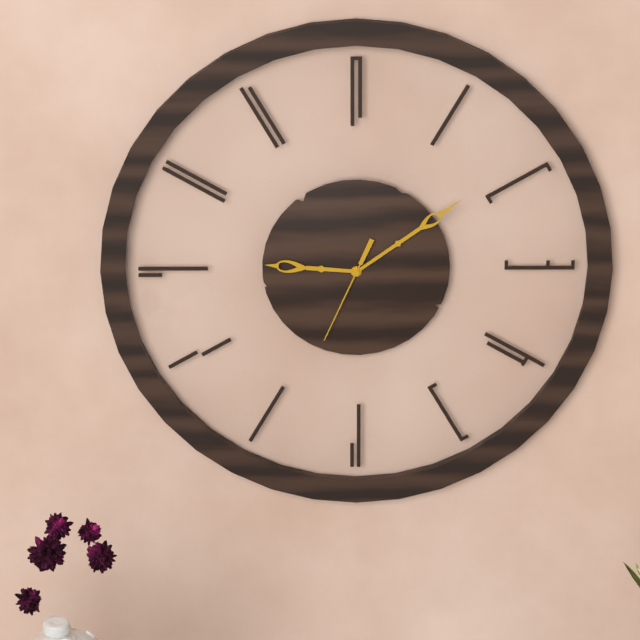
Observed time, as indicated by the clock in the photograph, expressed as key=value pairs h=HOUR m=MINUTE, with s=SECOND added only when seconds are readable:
h=9 m=9 s=34
